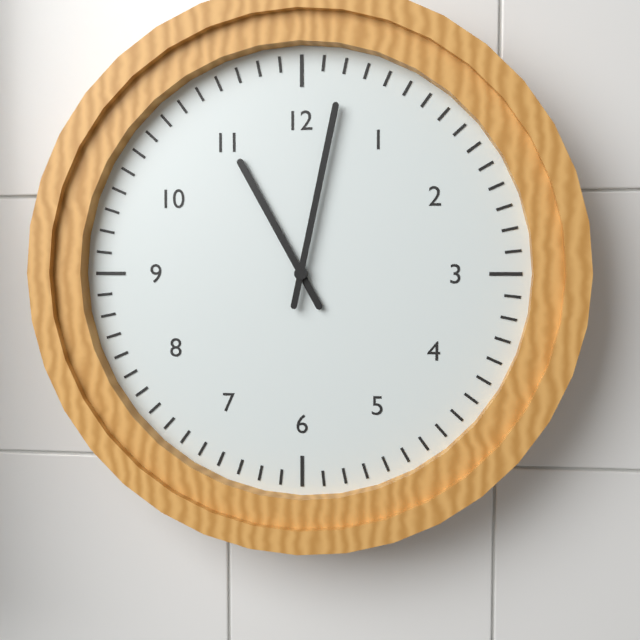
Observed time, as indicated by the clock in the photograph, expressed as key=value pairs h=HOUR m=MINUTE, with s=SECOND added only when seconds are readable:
h=11 m=2
